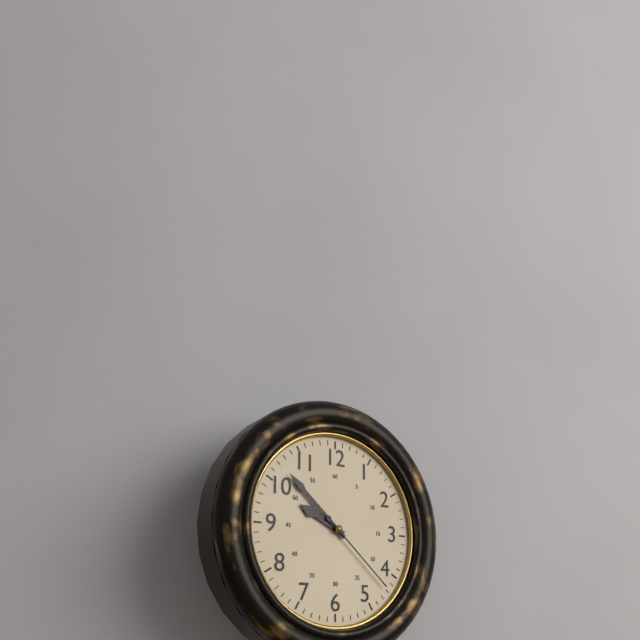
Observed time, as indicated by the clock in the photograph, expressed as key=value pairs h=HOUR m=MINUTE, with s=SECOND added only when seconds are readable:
h=9 m=52 s=22
